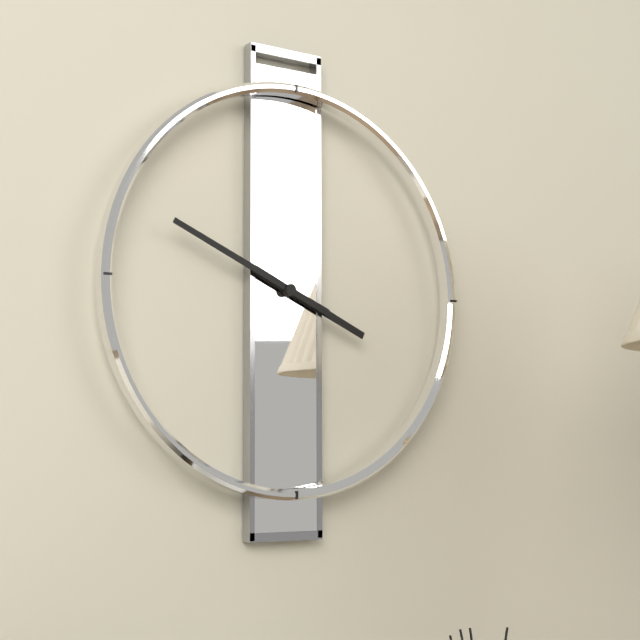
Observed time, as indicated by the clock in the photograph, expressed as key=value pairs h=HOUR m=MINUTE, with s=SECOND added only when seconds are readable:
h=3 m=49
